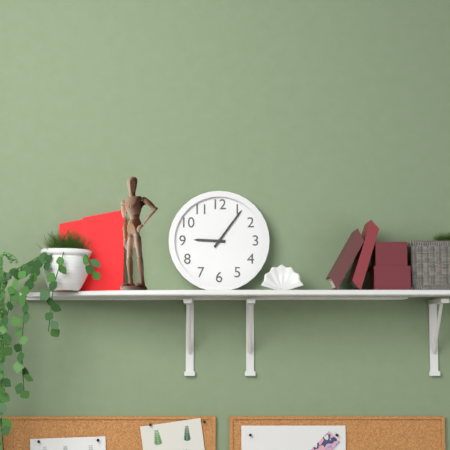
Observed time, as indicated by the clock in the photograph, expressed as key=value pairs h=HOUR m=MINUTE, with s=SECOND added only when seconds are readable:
h=9 m=6
